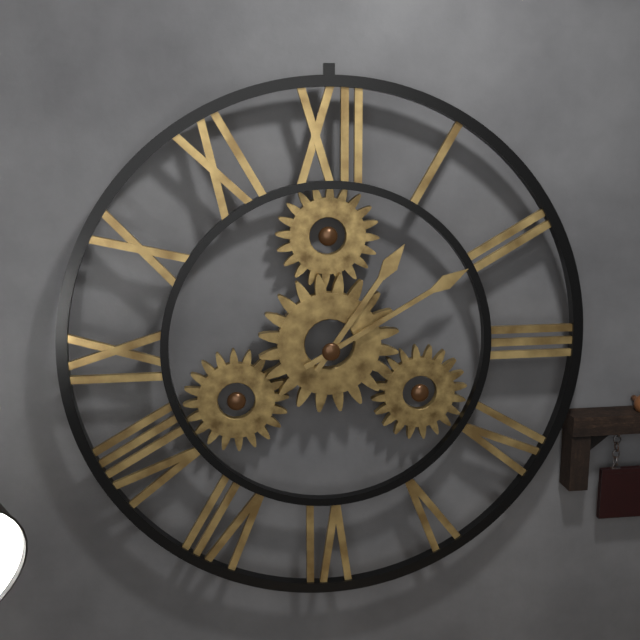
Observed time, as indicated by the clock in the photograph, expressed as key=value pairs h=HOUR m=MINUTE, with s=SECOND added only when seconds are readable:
h=1 m=10
